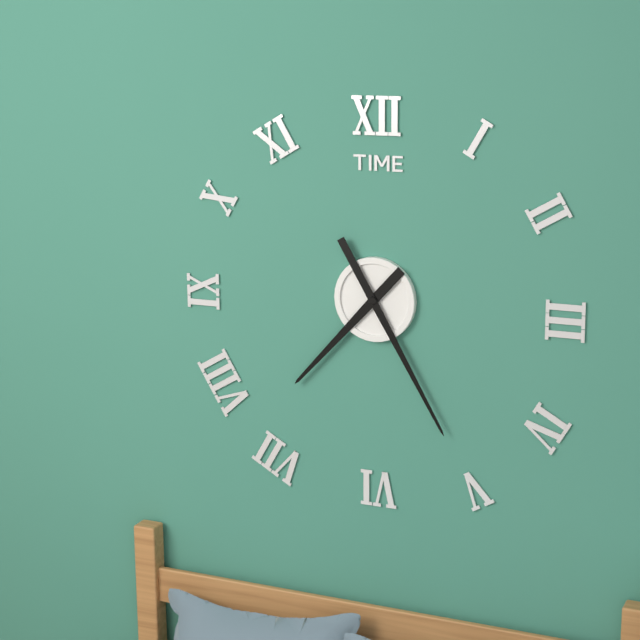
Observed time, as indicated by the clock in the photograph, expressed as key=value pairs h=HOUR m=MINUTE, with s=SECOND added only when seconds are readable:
h=7 m=25
